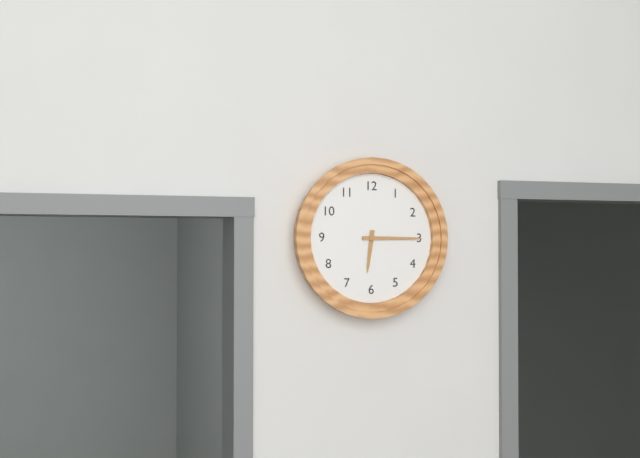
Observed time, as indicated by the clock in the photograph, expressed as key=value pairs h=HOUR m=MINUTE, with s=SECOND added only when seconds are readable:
h=6 m=15
